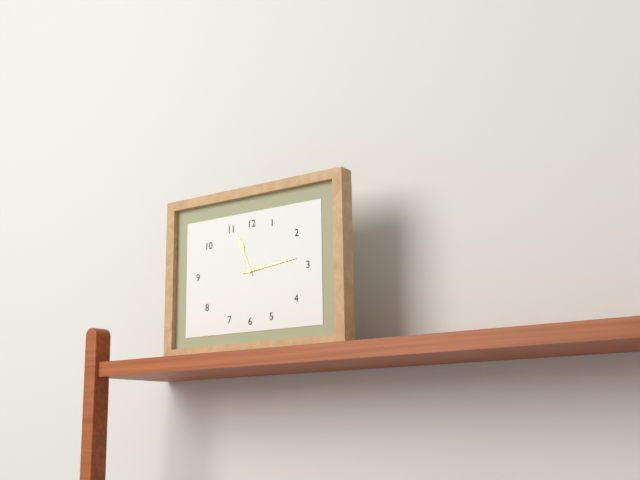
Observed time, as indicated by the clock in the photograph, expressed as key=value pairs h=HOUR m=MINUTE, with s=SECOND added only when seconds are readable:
h=11 m=14
